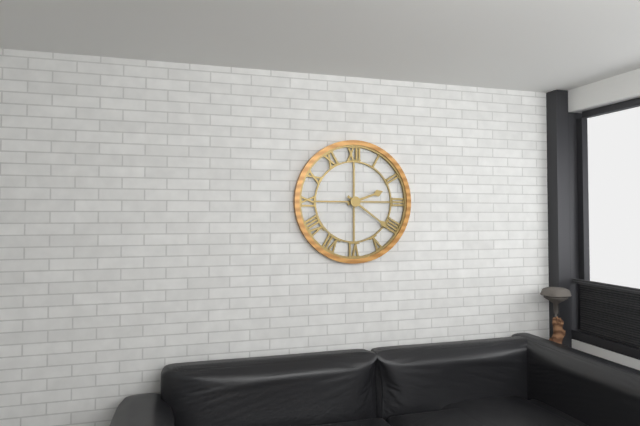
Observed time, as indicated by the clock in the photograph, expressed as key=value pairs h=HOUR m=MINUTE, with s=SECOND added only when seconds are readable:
h=2 m=21
